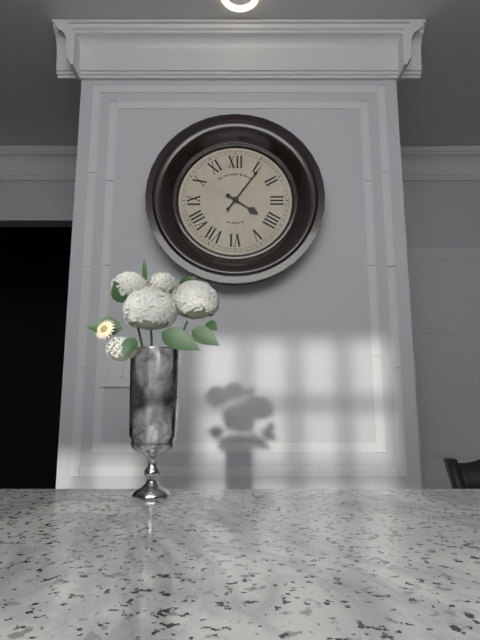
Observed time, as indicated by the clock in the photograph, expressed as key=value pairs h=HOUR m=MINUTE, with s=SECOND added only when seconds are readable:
h=4 m=6
